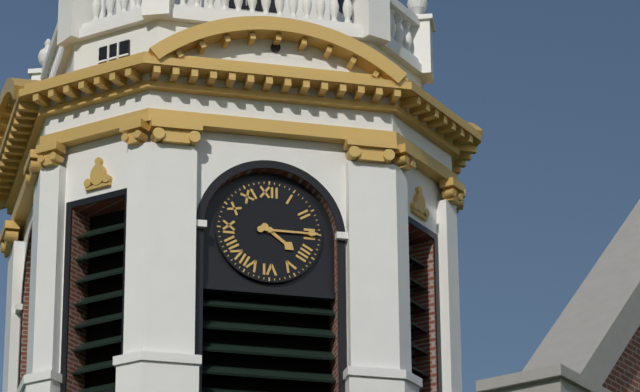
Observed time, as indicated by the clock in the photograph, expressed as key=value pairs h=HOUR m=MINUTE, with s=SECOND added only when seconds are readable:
h=4 m=15
